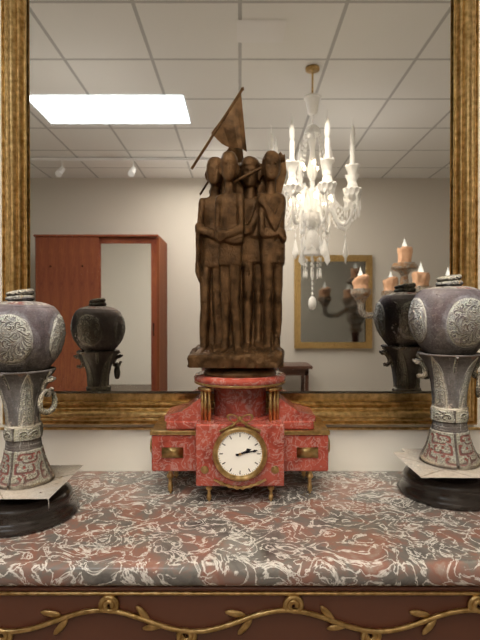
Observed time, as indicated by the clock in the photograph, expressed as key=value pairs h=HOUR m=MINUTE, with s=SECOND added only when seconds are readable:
h=2 m=13
